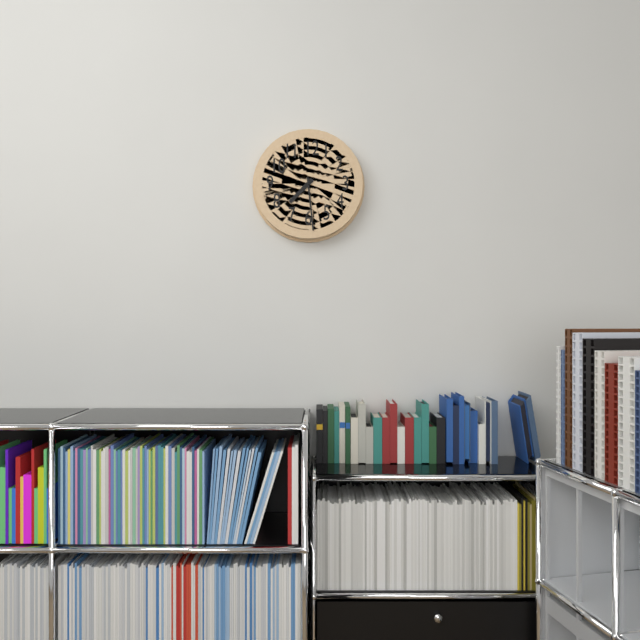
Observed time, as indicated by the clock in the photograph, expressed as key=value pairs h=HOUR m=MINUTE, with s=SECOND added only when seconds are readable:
h=7 m=29
